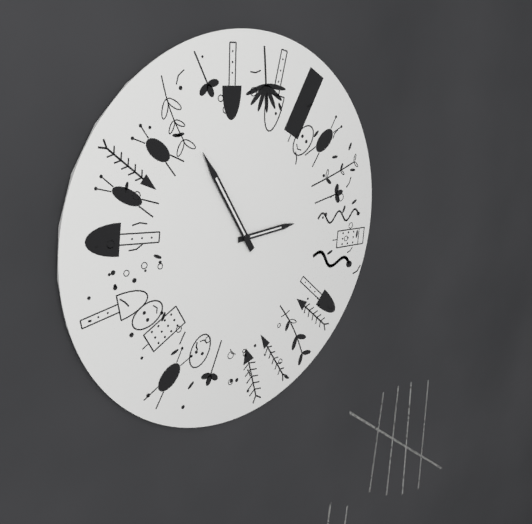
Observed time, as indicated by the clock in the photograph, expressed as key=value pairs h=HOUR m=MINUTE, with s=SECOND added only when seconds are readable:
h=2 m=55
